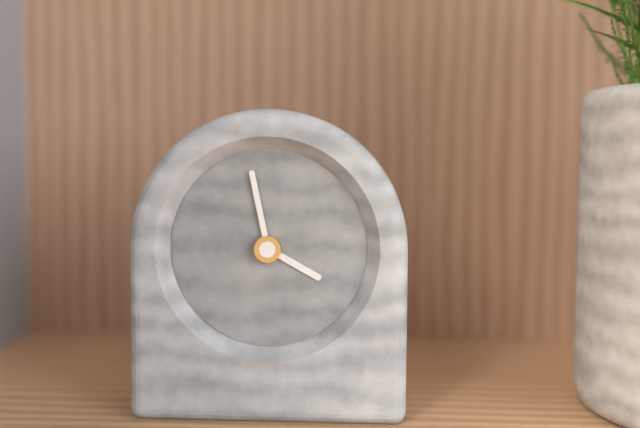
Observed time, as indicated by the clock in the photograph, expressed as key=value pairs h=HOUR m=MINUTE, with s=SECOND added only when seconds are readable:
h=3 m=58
